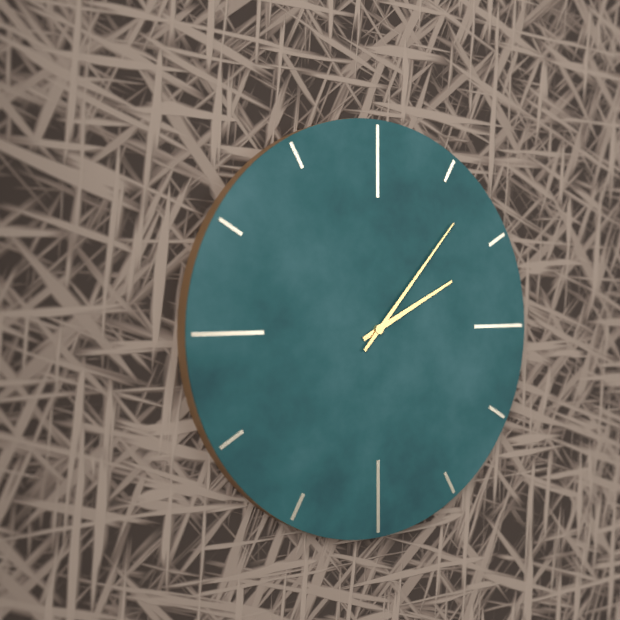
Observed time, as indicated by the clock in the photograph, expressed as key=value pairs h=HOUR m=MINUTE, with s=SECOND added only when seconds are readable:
h=2 m=7
